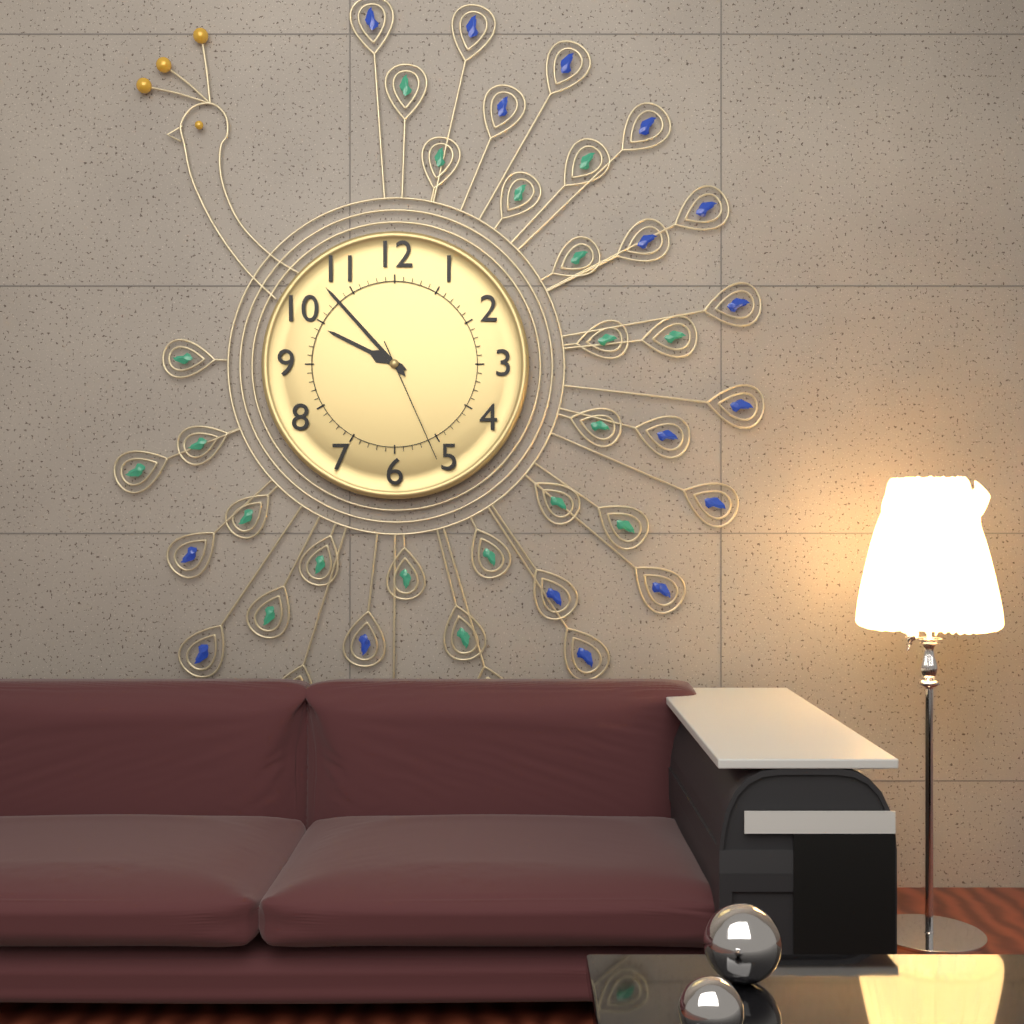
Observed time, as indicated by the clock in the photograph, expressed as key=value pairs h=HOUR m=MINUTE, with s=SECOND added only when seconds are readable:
h=9 m=53 s=26
